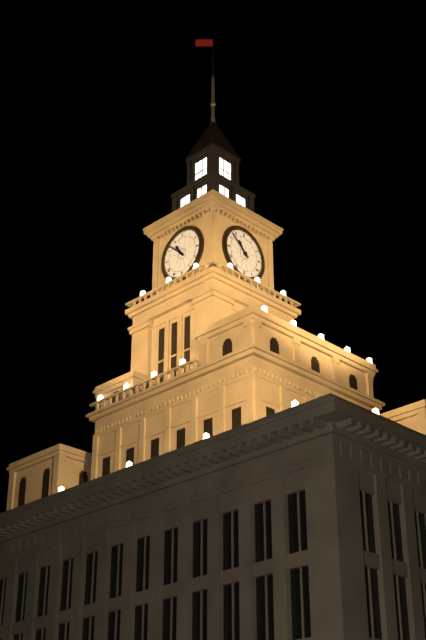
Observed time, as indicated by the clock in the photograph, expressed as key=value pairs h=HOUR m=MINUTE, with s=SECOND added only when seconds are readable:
h=10 m=52
